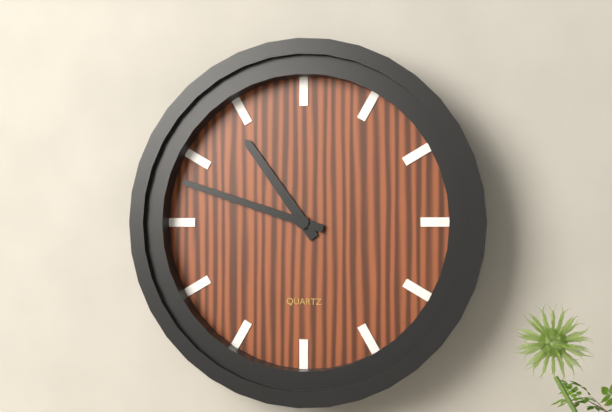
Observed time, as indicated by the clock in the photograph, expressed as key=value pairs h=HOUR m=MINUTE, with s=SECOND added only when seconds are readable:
h=10 m=48
